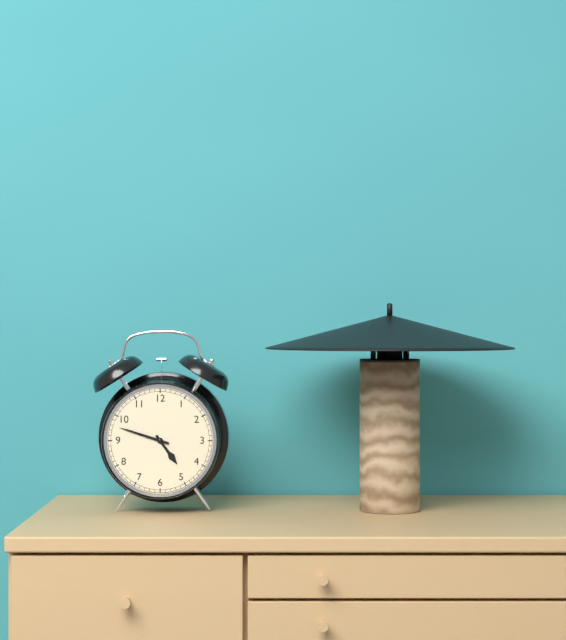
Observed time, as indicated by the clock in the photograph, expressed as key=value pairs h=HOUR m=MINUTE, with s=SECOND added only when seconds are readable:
h=4 m=48
